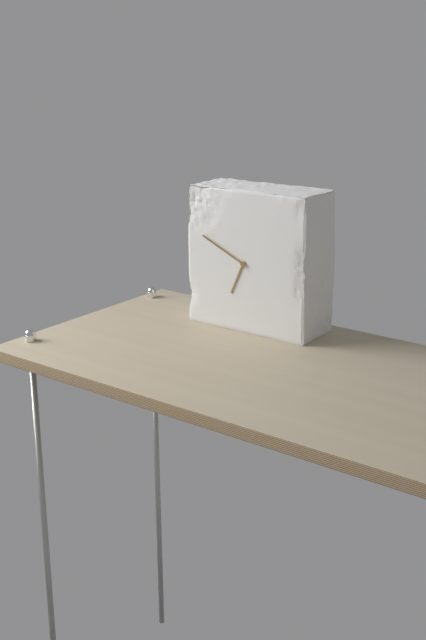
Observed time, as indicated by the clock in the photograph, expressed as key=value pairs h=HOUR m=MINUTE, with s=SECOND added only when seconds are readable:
h=6 m=49
